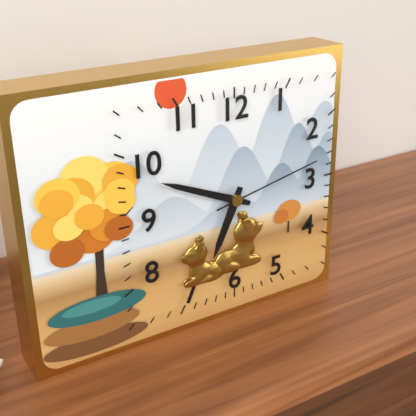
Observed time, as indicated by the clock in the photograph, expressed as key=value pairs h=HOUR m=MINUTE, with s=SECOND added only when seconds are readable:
h=6 m=49 s=13
